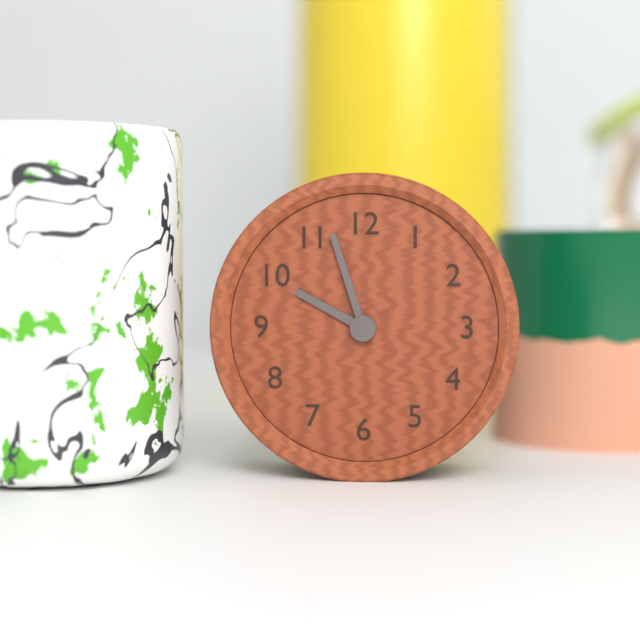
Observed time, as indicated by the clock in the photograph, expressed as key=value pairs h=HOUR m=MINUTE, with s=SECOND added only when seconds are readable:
h=9 m=57
